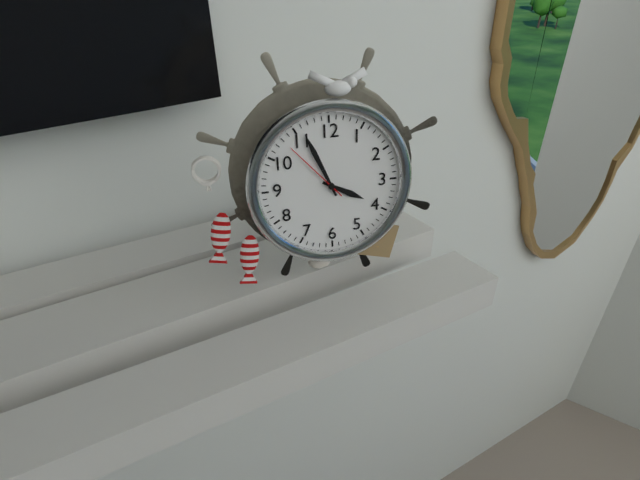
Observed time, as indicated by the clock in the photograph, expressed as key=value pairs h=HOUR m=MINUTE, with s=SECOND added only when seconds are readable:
h=3 m=56 s=53
